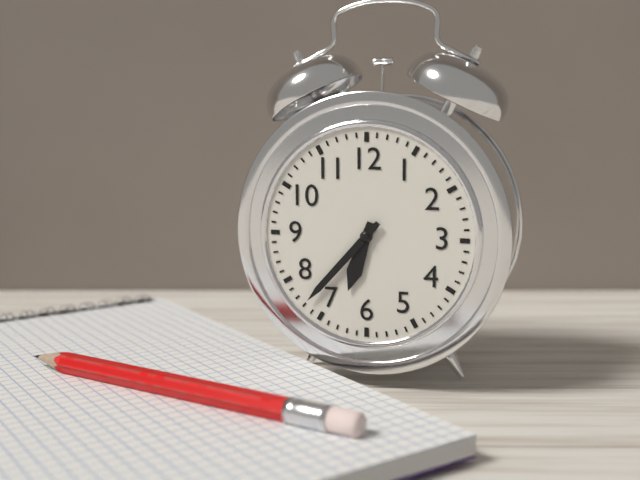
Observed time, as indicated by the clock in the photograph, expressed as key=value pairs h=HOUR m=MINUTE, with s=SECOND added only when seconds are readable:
h=6 m=37
